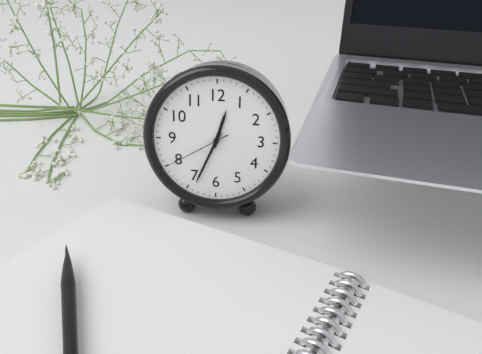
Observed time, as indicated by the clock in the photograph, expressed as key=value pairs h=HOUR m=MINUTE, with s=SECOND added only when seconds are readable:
h=12 m=34 s=40
